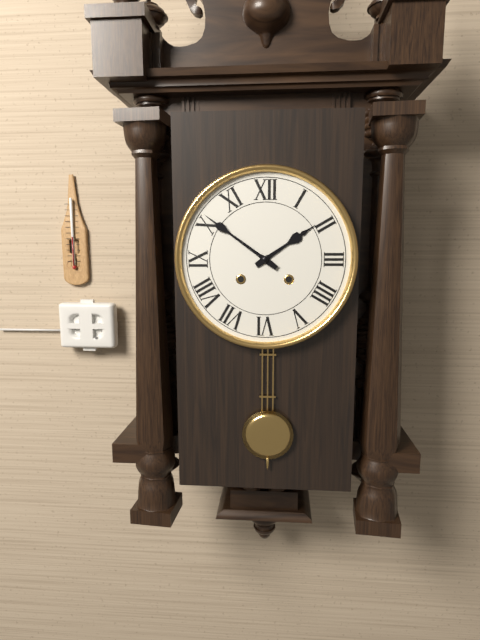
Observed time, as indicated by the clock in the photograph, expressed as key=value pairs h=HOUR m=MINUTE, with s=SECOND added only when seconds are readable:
h=1 m=51
